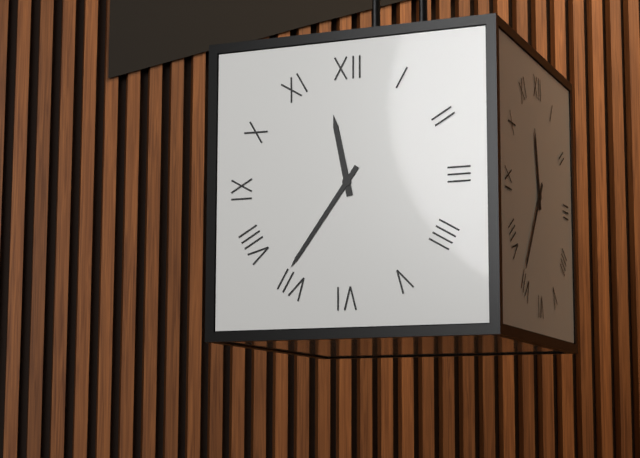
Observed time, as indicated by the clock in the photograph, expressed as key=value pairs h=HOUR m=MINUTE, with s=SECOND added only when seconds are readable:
h=11 m=36
